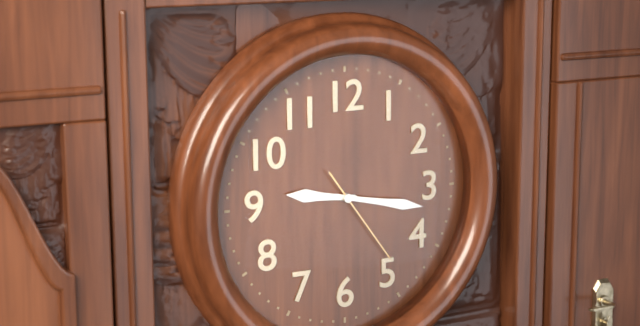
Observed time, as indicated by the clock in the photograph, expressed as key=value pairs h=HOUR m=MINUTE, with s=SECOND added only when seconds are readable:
h=9 m=17 s=24
